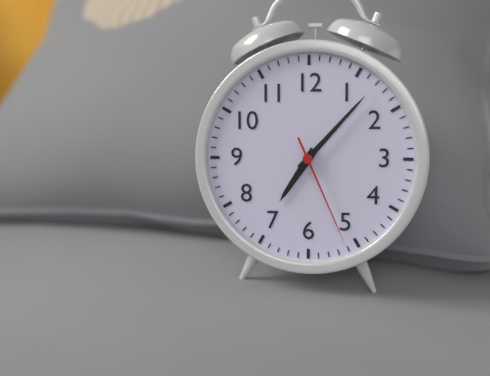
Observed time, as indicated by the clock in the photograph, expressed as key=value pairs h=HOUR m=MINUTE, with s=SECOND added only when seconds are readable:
h=7 m=7 s=26
